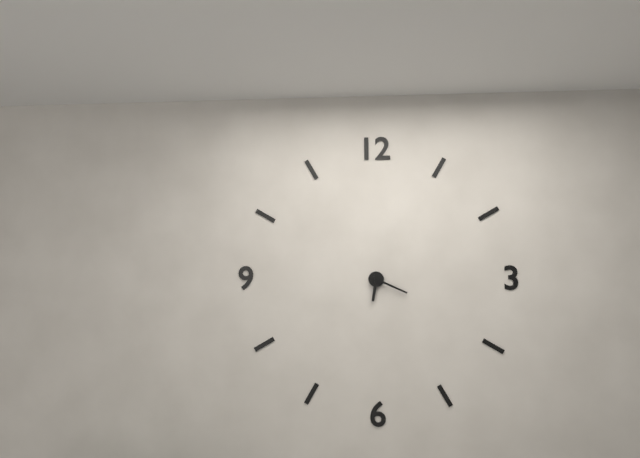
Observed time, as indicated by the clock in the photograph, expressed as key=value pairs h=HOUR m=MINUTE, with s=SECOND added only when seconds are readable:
h=6 m=19
